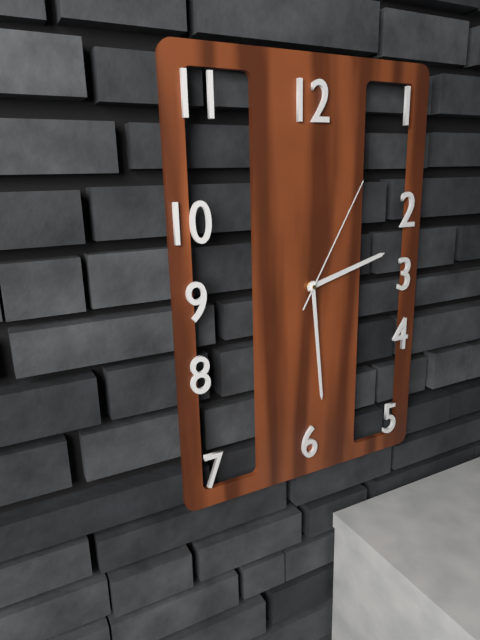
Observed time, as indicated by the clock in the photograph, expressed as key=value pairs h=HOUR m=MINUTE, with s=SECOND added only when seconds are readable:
h=2 m=29 s=5
